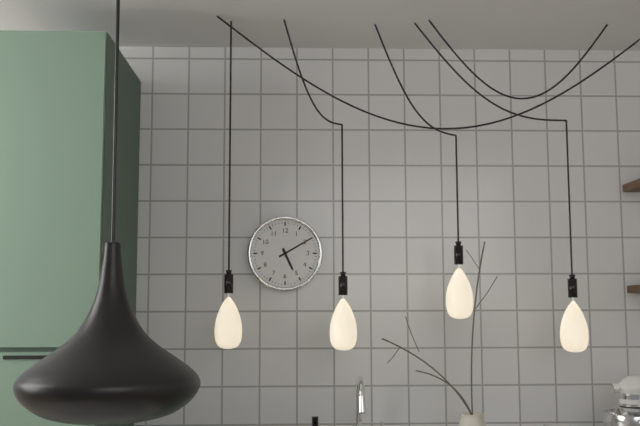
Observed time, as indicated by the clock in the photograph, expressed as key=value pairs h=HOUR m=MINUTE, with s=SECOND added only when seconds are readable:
h=5 m=10
